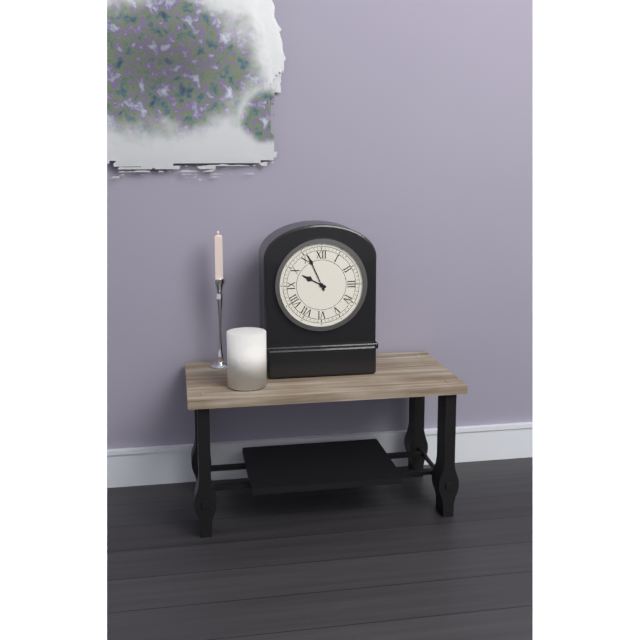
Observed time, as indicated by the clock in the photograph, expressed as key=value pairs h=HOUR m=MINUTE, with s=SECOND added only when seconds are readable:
h=9 m=56
